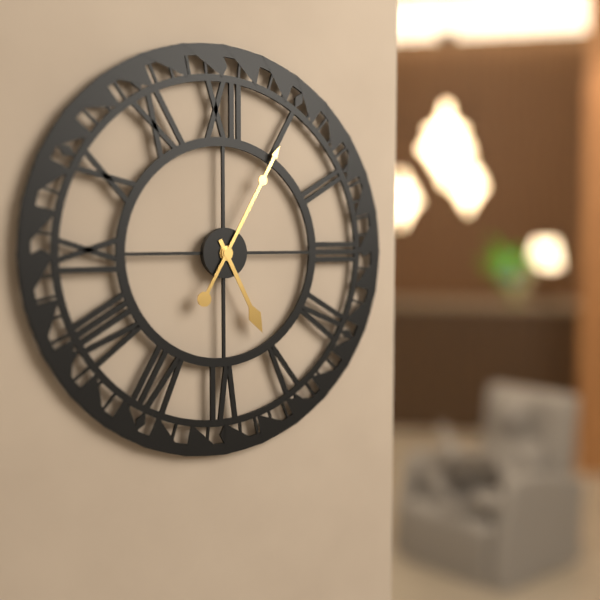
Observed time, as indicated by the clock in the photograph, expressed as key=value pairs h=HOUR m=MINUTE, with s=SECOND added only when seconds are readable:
h=5 m=5
